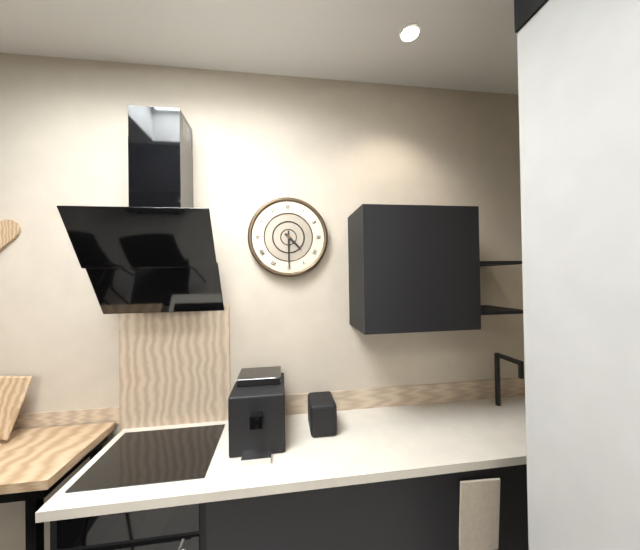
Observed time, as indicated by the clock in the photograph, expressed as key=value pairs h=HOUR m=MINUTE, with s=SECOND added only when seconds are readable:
h=4 m=30
